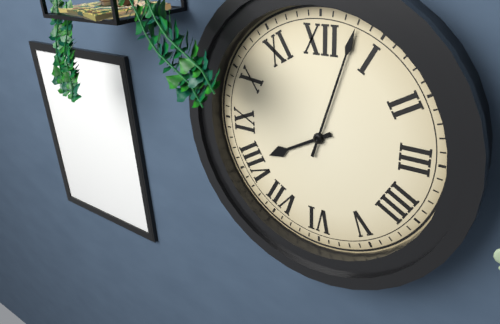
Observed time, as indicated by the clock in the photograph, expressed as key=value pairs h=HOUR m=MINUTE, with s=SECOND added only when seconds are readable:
h=8 m=3
